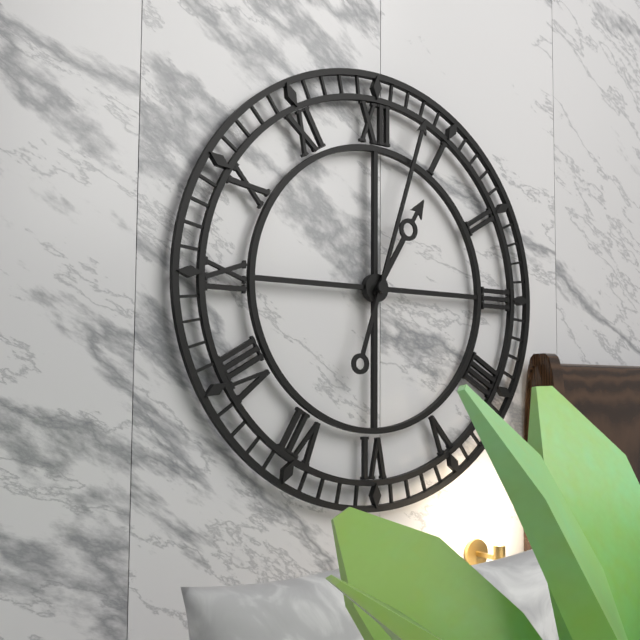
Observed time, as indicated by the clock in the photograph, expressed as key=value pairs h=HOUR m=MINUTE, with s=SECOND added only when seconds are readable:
h=1 m=3
